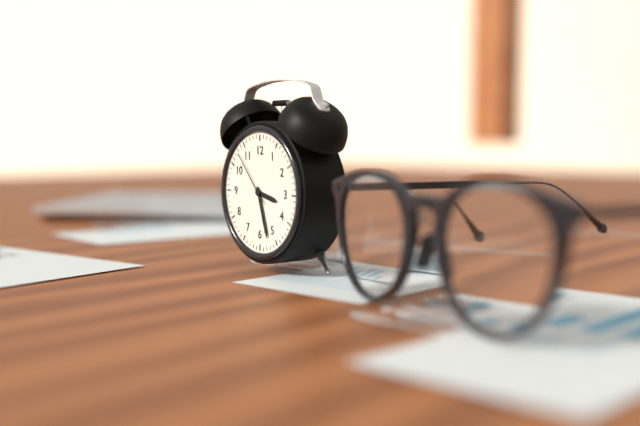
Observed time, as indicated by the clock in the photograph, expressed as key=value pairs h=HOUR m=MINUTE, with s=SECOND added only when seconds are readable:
h=3 m=27 s=53
